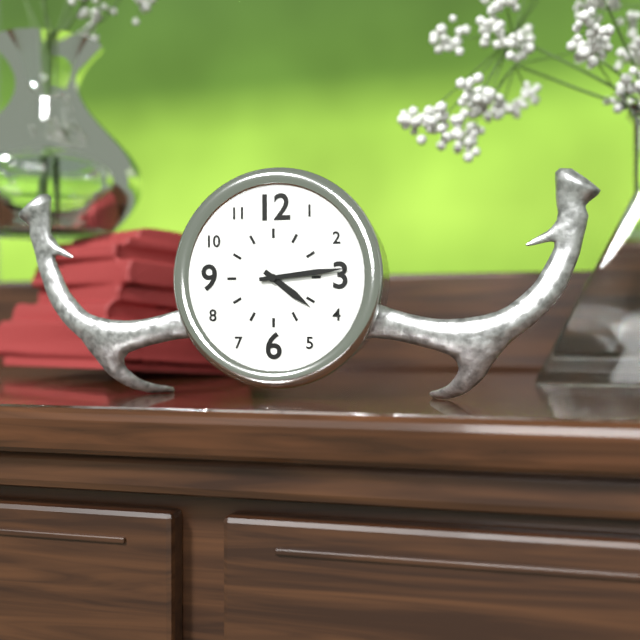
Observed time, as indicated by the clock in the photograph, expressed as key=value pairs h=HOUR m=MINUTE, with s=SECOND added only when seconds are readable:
h=4 m=14
